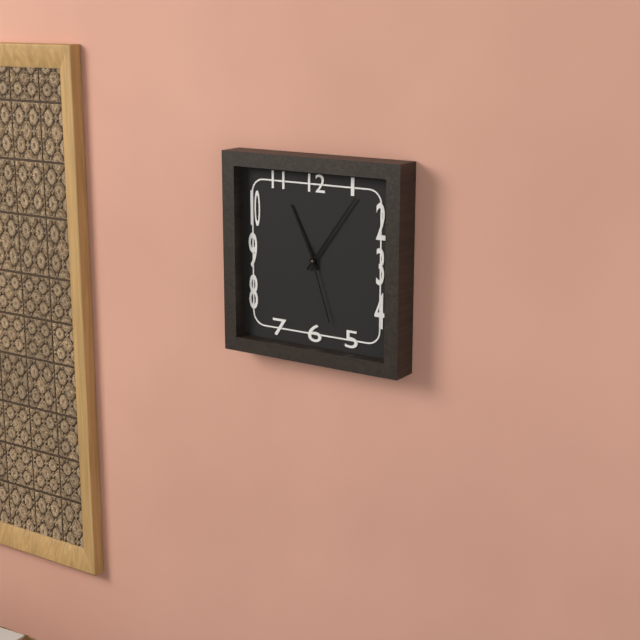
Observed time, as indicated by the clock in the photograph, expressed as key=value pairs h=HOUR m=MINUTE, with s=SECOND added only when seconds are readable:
h=11 m=6 s=27
